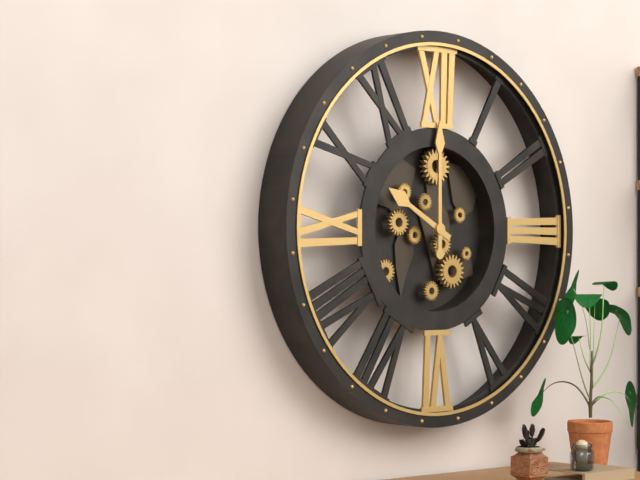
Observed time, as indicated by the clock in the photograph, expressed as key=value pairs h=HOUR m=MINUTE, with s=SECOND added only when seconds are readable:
h=10 m=0
